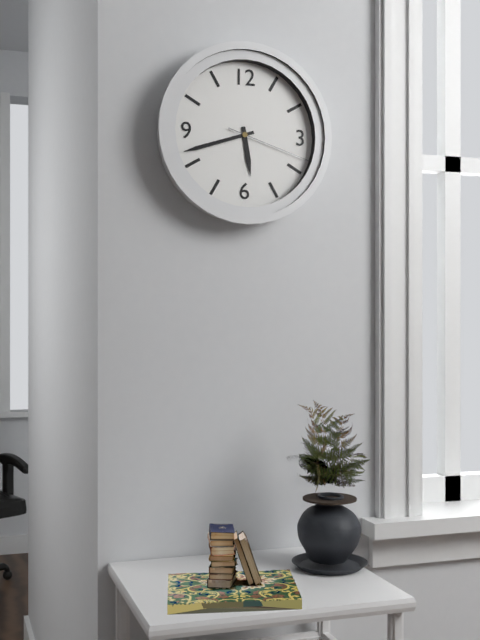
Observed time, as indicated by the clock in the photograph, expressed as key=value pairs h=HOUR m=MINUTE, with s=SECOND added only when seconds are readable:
h=5 m=42 s=18
